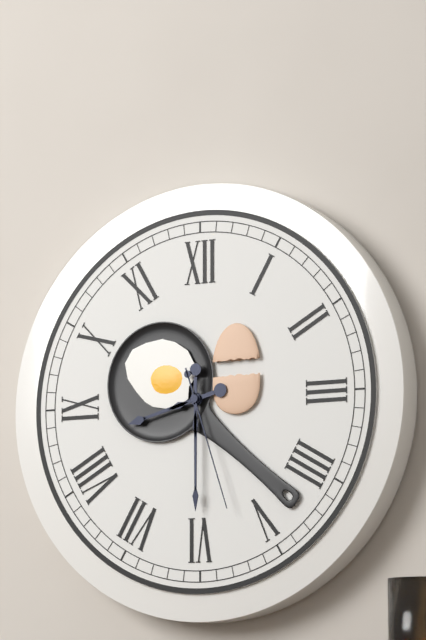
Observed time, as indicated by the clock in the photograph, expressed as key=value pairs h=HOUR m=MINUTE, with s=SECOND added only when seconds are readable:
h=8 m=30 s=27
